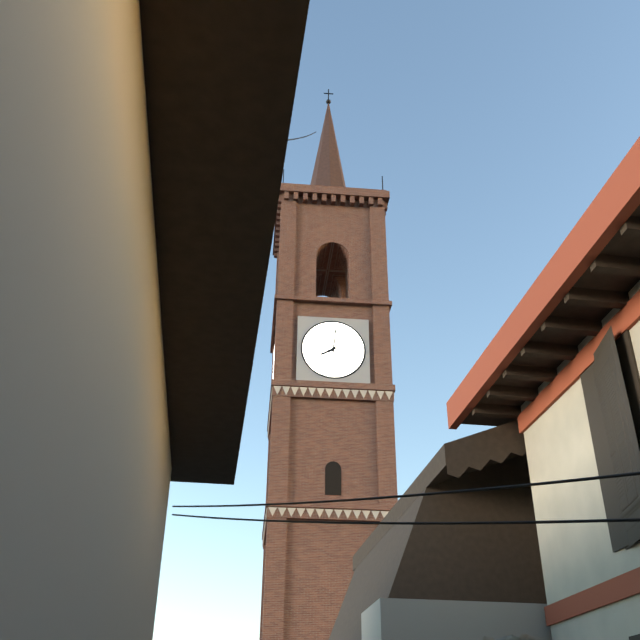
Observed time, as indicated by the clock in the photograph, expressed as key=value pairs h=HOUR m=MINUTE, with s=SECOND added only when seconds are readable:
h=8 m=1
